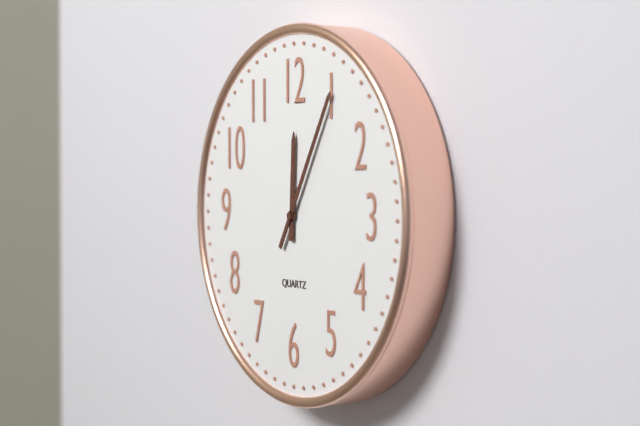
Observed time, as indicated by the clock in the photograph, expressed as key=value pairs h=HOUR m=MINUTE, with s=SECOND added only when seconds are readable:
h=12 m=5
